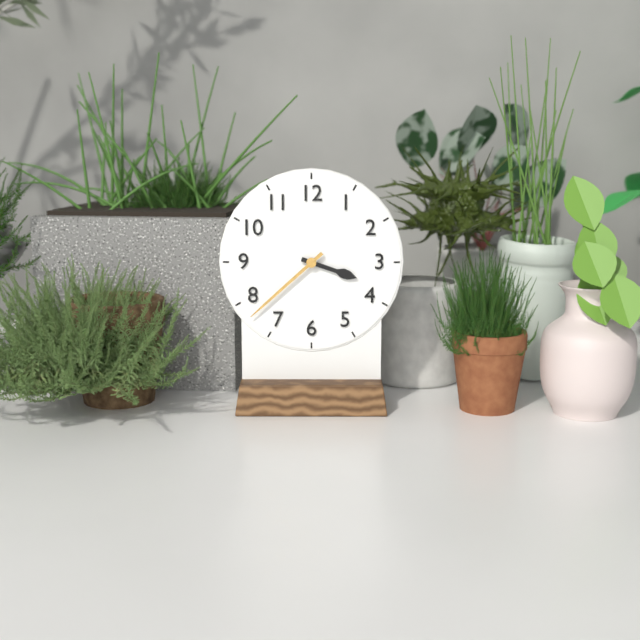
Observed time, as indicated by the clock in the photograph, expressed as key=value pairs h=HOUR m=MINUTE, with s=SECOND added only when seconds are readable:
h=3 m=38
